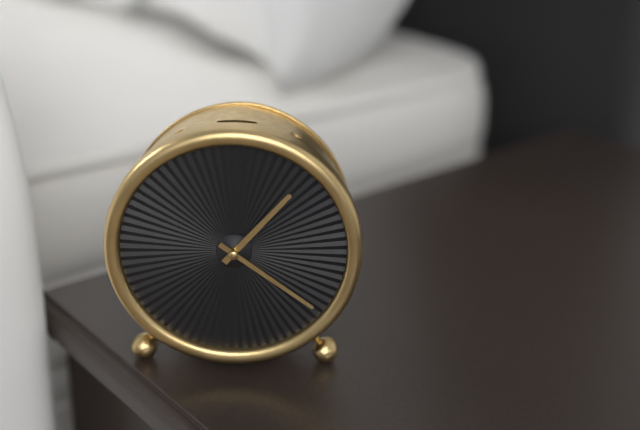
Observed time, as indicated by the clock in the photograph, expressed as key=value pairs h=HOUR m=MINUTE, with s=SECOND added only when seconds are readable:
h=1 m=21
